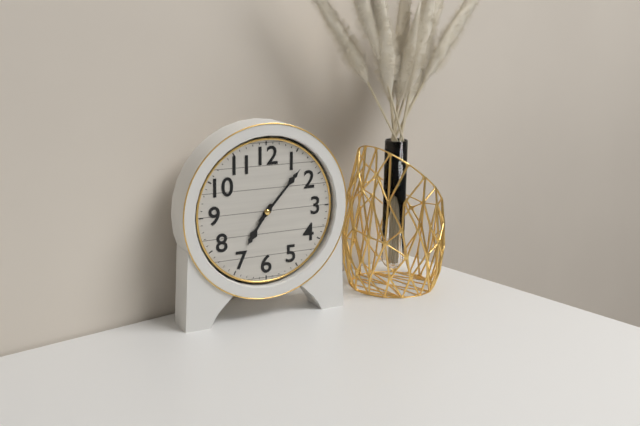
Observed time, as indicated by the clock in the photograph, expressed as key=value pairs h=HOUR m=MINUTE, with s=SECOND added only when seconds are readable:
h=7 m=7
